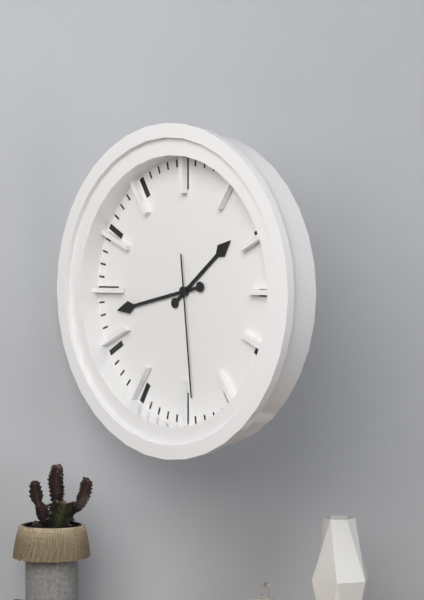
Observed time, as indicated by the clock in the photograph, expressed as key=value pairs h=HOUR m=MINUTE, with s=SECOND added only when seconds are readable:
h=1 m=43 s=29
